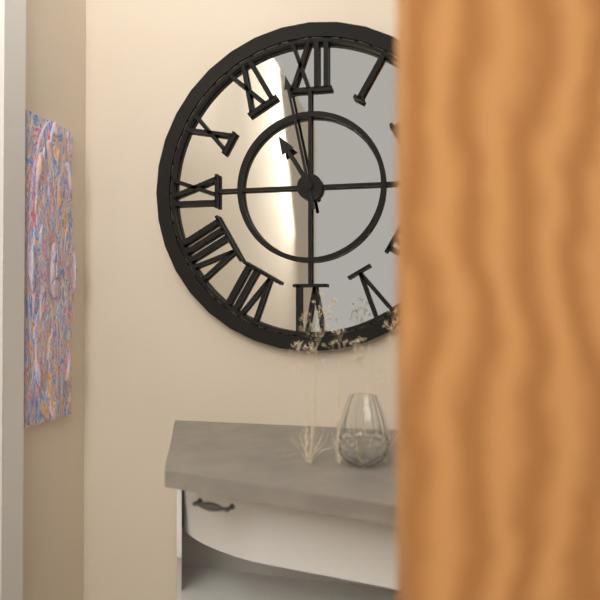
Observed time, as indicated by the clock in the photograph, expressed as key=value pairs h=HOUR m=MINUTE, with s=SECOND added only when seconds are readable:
h=10 m=58
